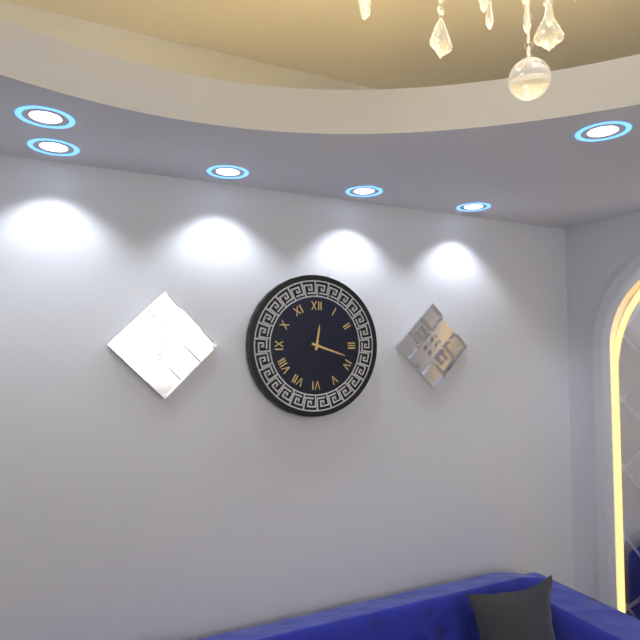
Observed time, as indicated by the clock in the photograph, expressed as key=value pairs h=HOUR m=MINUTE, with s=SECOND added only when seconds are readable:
h=12 m=18
